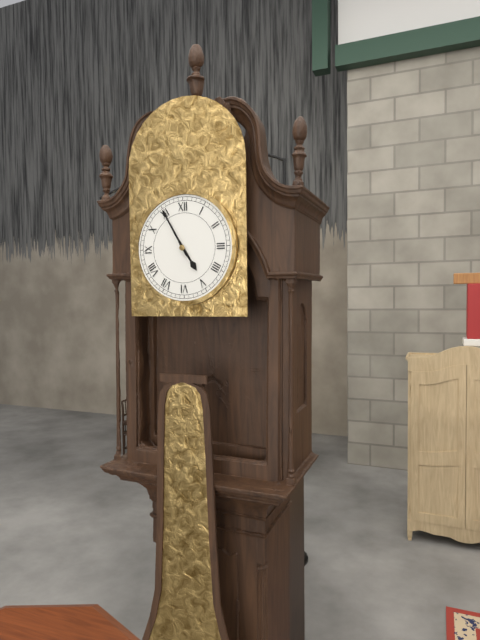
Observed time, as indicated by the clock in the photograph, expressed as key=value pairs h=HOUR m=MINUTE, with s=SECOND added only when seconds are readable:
h=4 m=55
